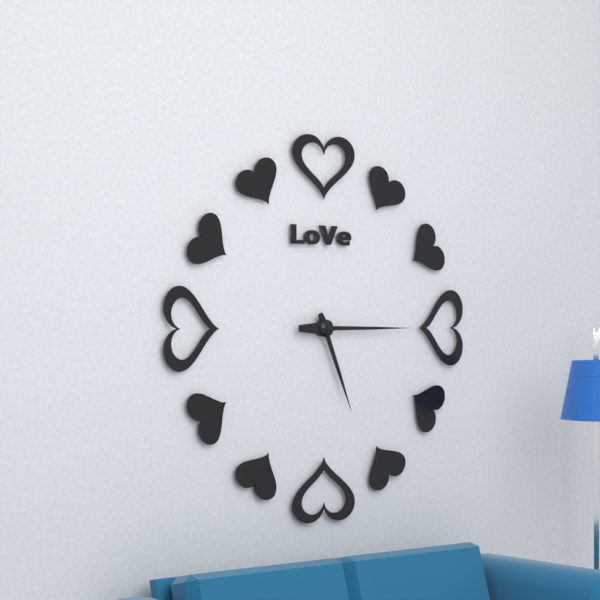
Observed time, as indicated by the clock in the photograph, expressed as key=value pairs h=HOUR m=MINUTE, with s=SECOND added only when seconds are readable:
h=5 m=15
